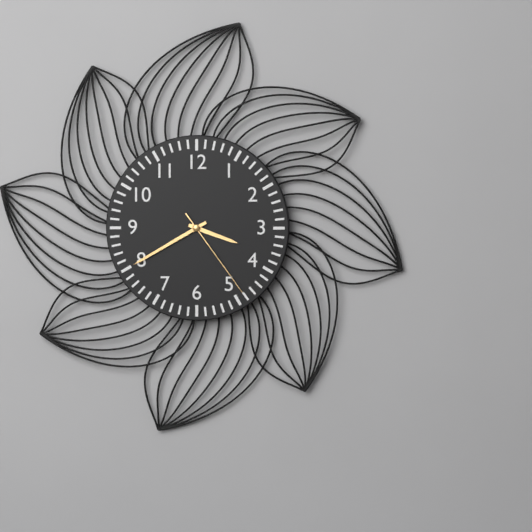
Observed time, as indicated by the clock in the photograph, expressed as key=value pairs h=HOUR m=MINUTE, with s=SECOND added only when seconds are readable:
h=3 m=40 s=24
